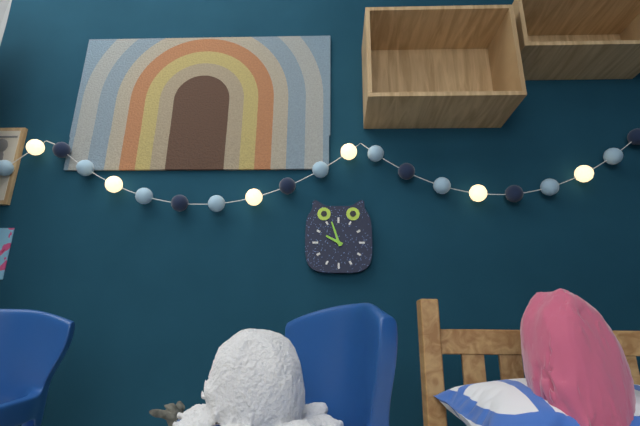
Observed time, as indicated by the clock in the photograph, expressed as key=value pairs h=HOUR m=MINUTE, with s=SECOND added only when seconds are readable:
h=9 m=57
